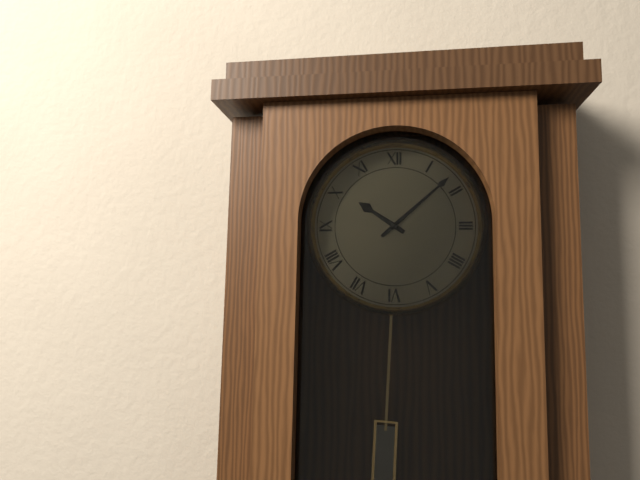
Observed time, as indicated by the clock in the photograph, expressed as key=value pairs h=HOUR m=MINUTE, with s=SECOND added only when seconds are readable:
h=10 m=8
